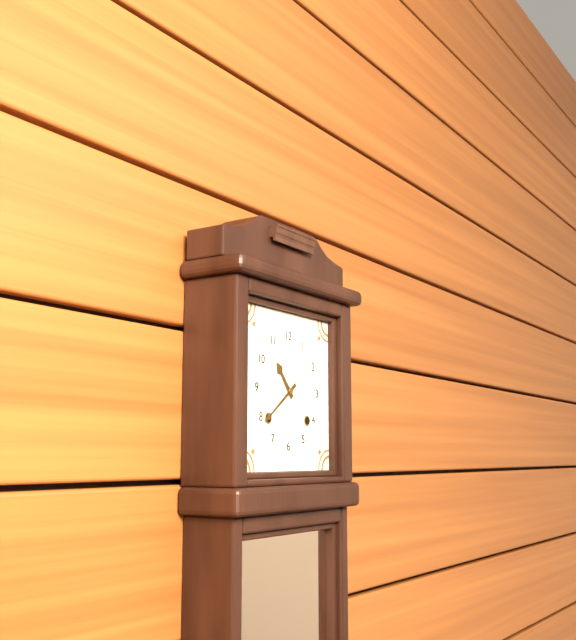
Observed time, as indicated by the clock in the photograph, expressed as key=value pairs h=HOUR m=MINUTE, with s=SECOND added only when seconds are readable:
h=10 m=39
